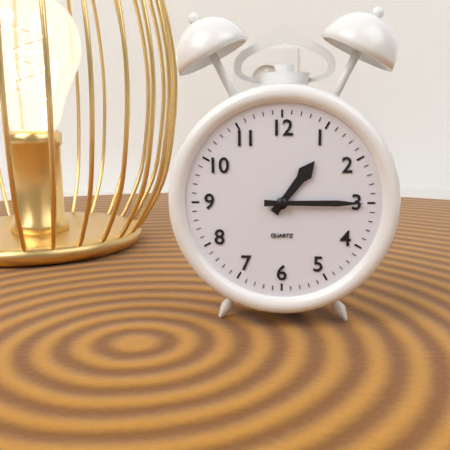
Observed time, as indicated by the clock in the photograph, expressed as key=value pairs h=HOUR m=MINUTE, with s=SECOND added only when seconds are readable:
h=1 m=15
